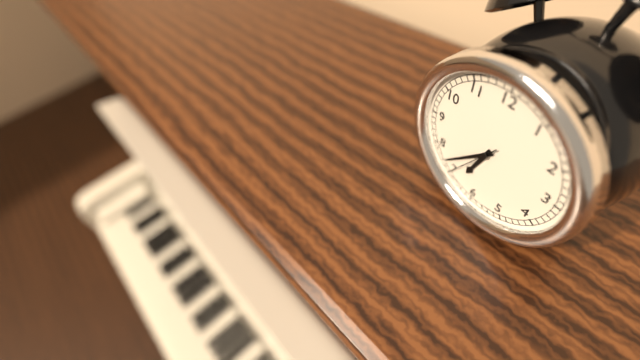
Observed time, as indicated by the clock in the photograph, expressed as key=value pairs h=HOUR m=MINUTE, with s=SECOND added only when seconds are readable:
h=6 m=37 s=35
